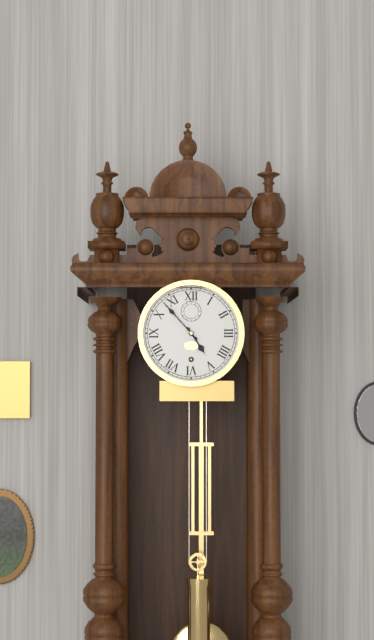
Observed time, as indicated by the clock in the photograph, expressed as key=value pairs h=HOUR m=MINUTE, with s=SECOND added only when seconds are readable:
h=4 m=53
